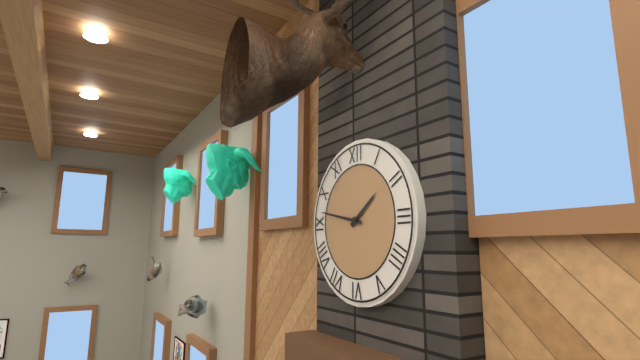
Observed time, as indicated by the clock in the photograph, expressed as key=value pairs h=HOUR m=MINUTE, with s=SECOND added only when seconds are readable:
h=1 m=47
